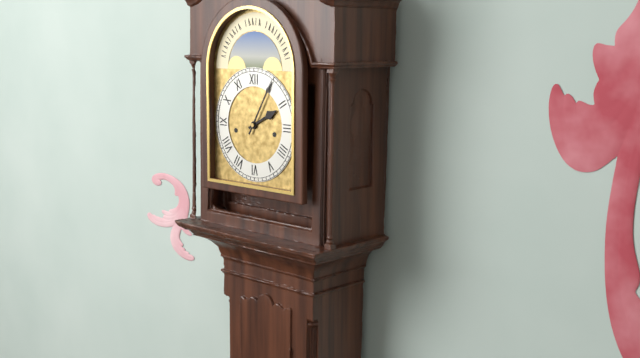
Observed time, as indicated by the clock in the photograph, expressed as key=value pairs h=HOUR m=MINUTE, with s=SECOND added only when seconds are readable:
h=2 m=5
